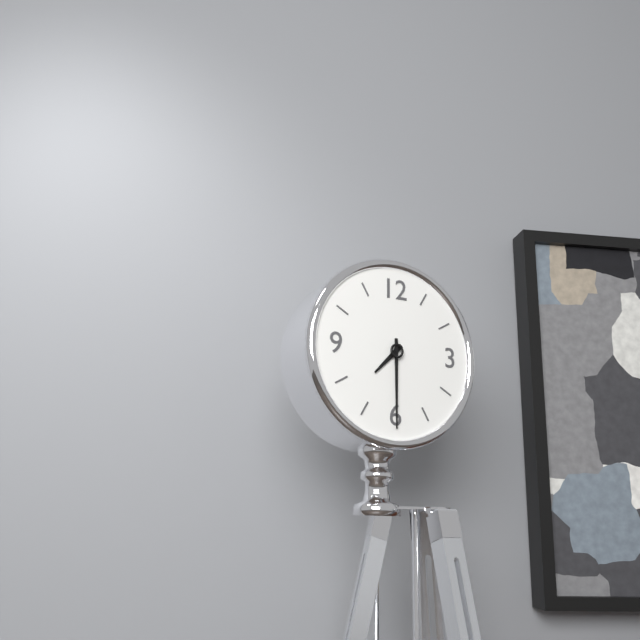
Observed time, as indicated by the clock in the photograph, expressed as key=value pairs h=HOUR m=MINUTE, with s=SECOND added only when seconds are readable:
h=7 m=30
